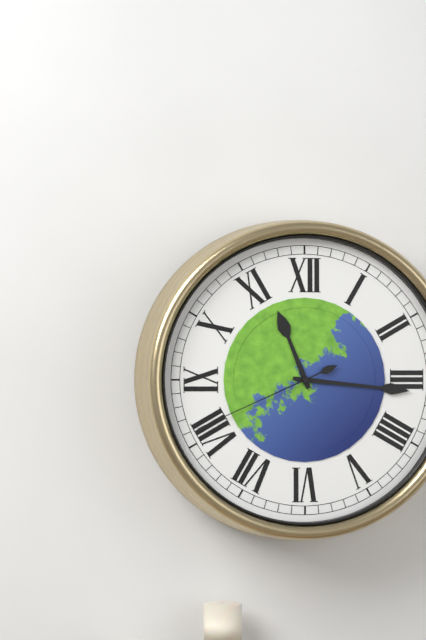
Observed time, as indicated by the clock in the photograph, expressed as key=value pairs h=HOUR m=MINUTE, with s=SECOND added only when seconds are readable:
h=11 m=16 s=41
